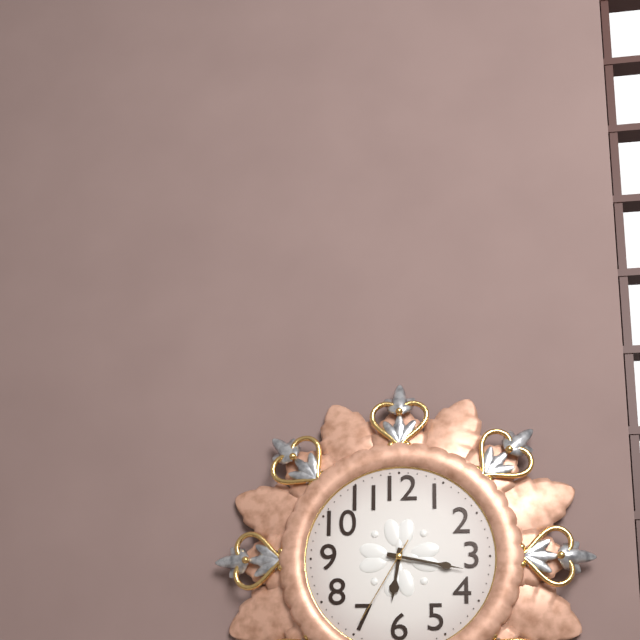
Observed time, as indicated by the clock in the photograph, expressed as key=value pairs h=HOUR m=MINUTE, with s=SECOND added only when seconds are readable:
h=6 m=17 s=35
